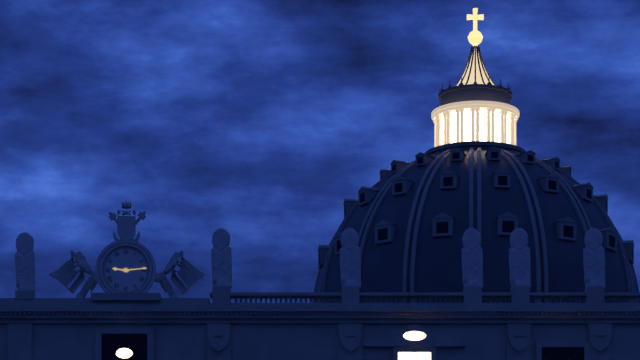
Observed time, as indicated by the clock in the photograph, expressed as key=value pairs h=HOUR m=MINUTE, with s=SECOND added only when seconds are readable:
h=9 m=14
